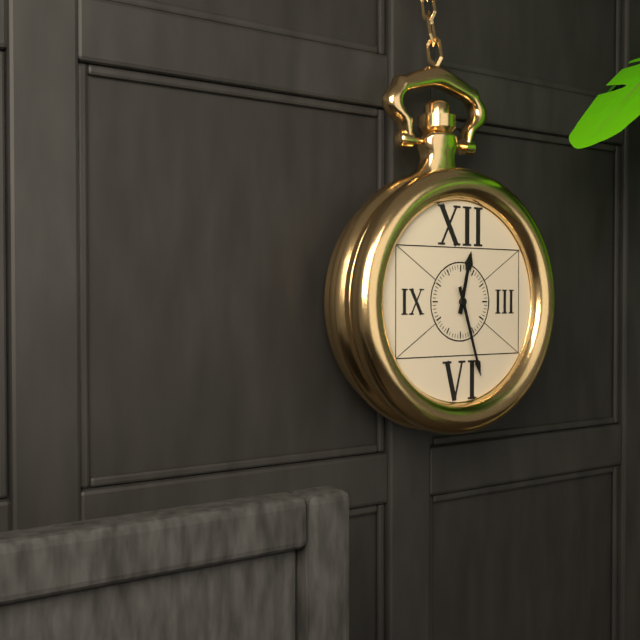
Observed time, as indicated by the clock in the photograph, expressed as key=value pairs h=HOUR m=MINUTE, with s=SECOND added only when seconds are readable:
h=12 m=27
